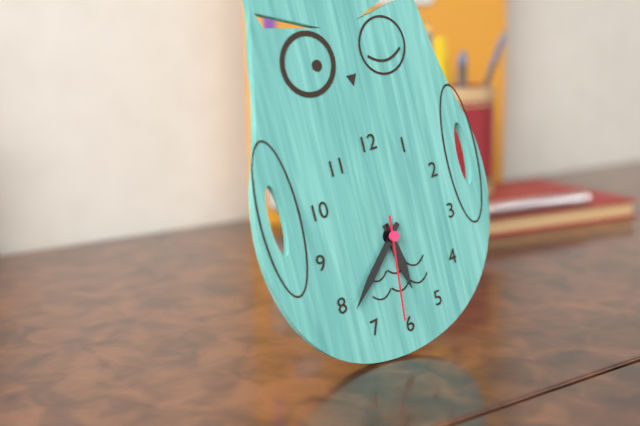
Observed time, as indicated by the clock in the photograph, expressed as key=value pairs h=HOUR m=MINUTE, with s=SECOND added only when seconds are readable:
h=5 m=38 s=31
